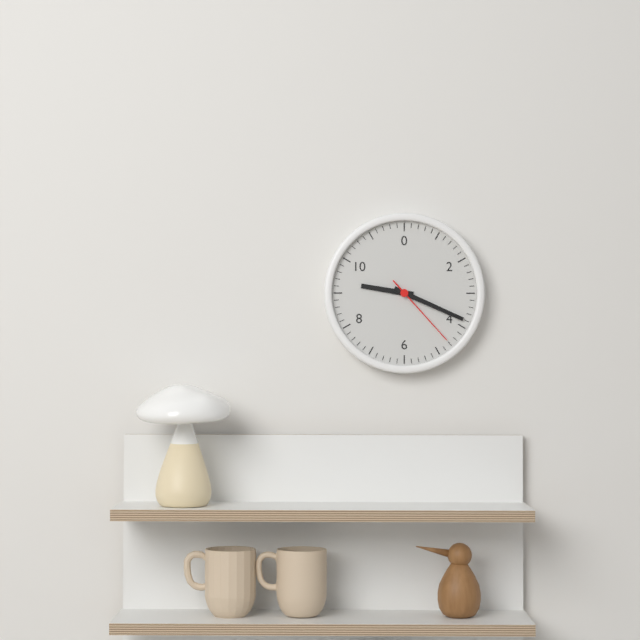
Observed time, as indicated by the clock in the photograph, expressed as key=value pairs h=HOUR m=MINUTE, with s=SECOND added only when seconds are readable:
h=9 m=19 s=23
